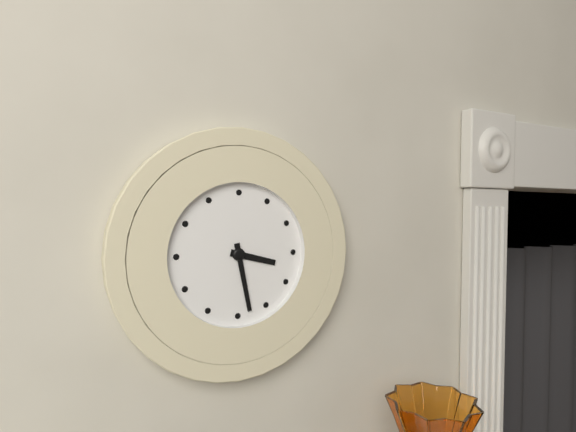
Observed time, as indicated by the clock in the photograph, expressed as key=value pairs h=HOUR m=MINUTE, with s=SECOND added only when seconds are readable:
h=3 m=28
